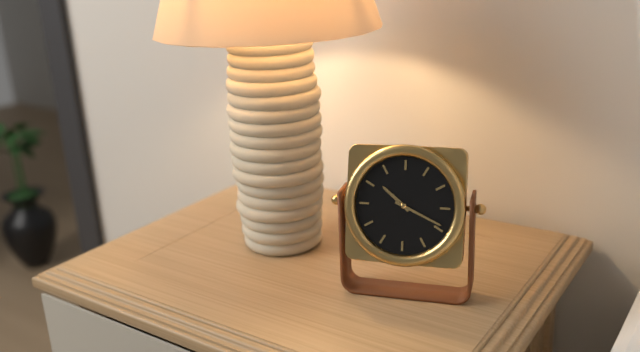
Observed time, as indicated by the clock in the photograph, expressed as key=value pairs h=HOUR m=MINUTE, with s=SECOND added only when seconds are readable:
h=10 m=19
